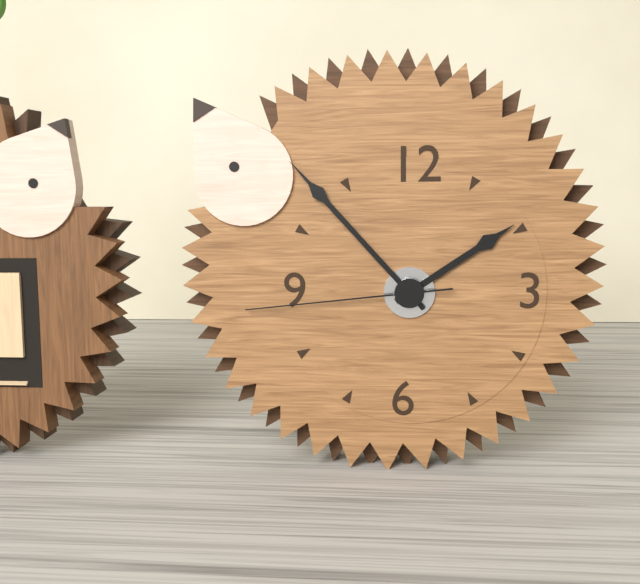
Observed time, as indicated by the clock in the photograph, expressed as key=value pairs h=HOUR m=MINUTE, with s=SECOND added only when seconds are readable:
h=1 m=53 s=44
